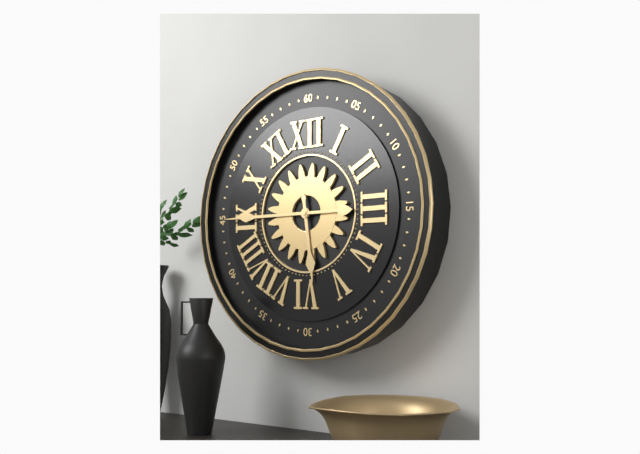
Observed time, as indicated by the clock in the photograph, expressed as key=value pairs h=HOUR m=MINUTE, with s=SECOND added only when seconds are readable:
h=5 m=45
